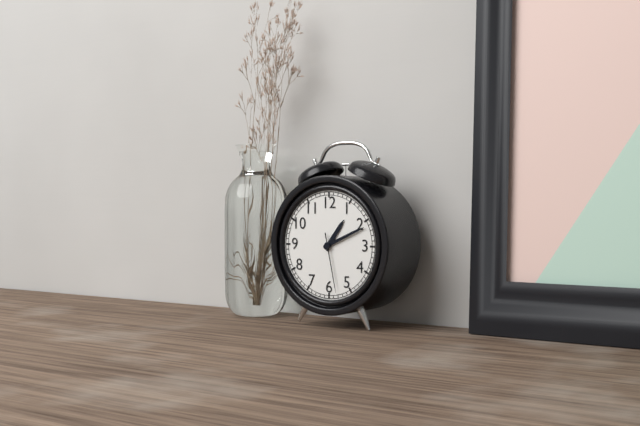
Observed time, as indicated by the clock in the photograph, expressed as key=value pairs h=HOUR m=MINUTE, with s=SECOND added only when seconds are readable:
h=1 m=11 s=28
